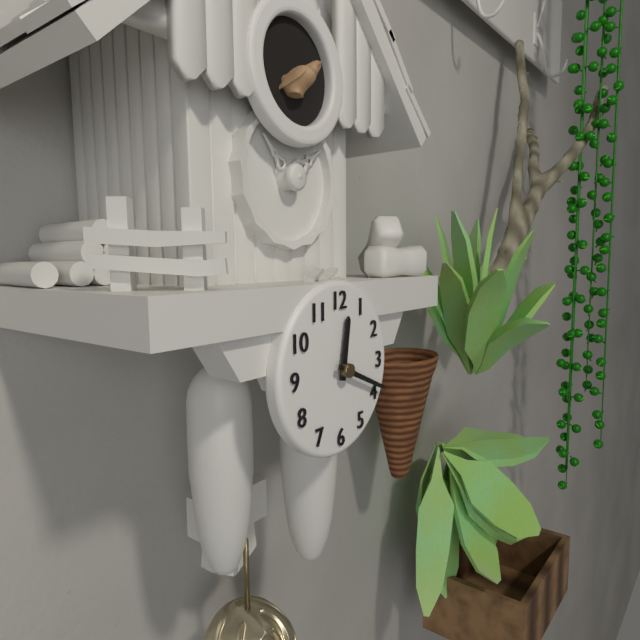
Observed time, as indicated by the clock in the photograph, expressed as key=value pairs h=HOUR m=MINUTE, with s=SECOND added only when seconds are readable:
h=12 m=19
